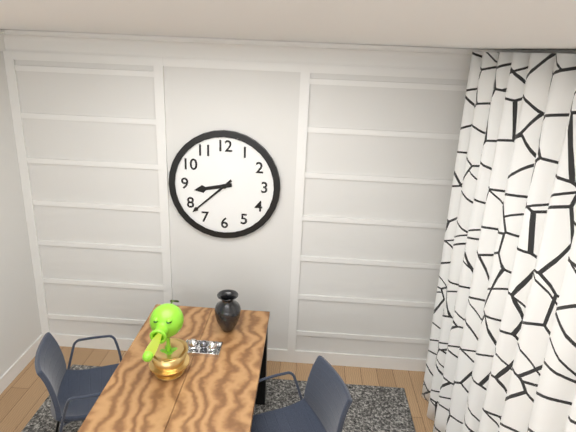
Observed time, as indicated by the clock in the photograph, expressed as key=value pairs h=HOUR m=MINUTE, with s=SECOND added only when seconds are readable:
h=8 m=38
